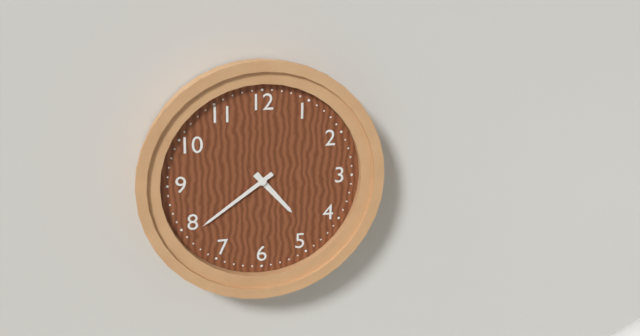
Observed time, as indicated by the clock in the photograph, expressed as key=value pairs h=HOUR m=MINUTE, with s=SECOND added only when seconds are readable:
h=4 m=39
